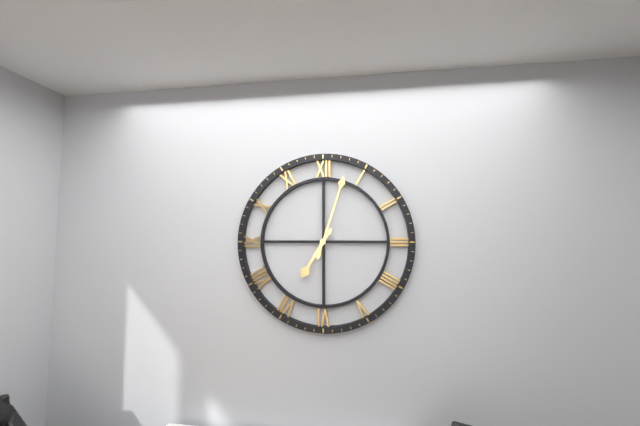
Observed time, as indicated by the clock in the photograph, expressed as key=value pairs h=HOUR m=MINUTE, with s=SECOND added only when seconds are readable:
h=7 m=3
